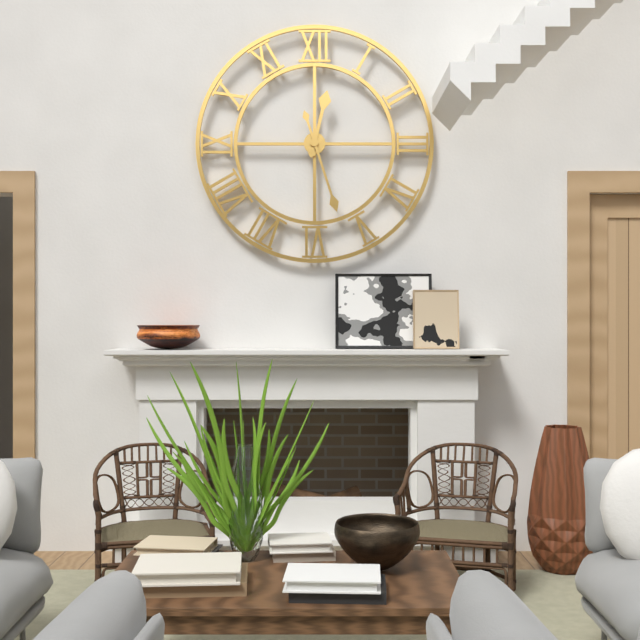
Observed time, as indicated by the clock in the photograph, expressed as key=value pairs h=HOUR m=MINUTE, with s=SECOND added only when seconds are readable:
h=12 m=27
